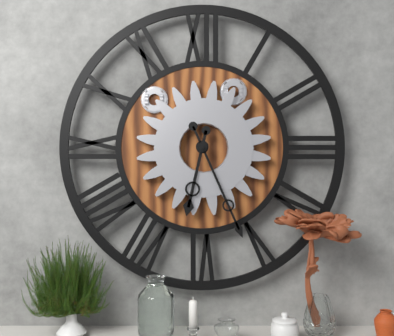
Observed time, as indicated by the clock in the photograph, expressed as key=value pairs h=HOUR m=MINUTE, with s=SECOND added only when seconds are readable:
h=6 m=26
